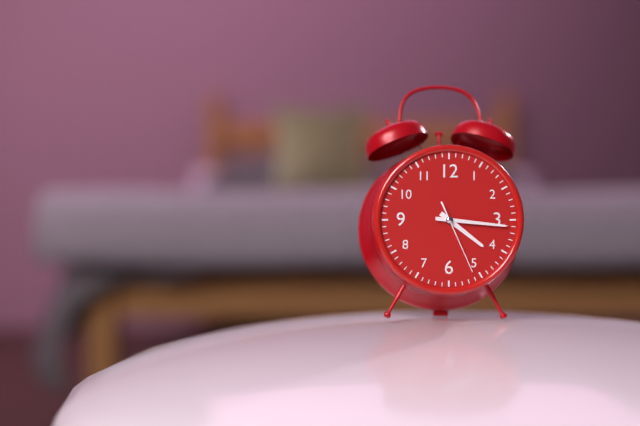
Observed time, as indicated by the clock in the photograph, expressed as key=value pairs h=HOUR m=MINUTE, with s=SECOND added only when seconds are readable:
h=4 m=16 s=26
